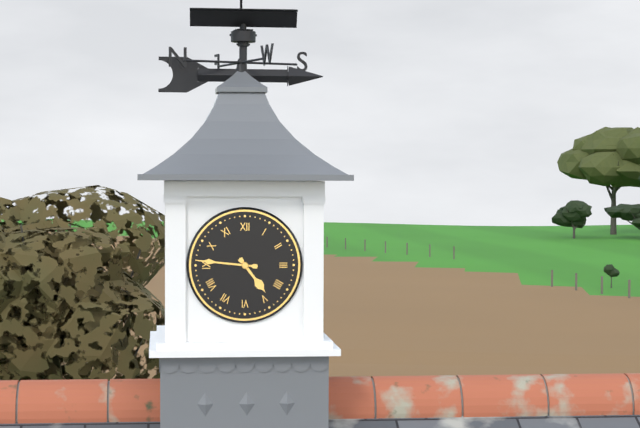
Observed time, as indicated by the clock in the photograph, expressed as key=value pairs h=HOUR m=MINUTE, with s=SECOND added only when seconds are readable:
h=4 m=46
